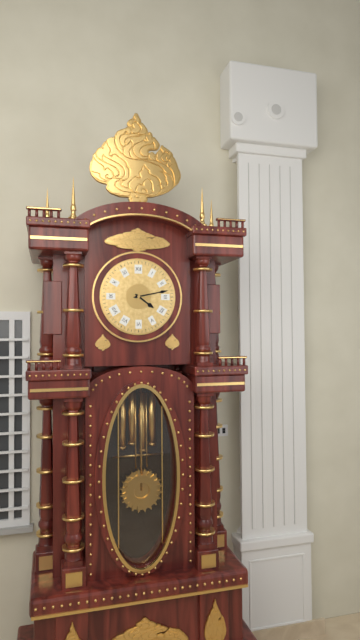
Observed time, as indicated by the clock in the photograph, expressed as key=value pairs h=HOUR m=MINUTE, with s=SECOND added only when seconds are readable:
h=4 m=13
